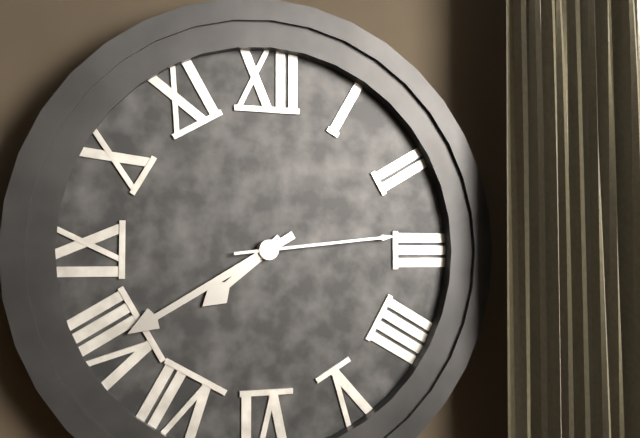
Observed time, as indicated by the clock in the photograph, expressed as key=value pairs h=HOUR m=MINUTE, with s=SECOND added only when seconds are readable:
h=7 m=40 s=14
